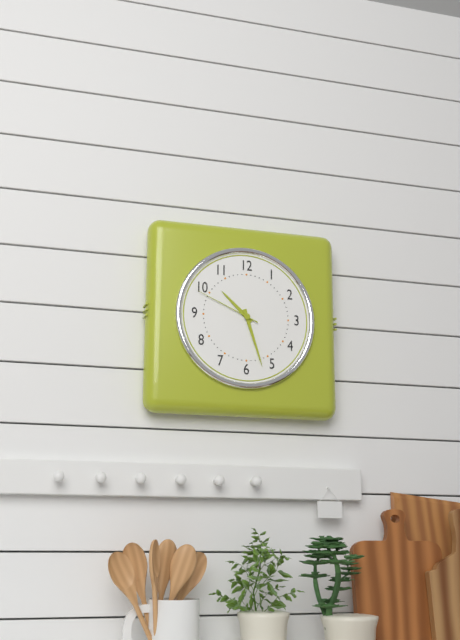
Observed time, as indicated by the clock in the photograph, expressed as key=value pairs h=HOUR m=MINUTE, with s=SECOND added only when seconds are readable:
h=10 m=27 s=49
